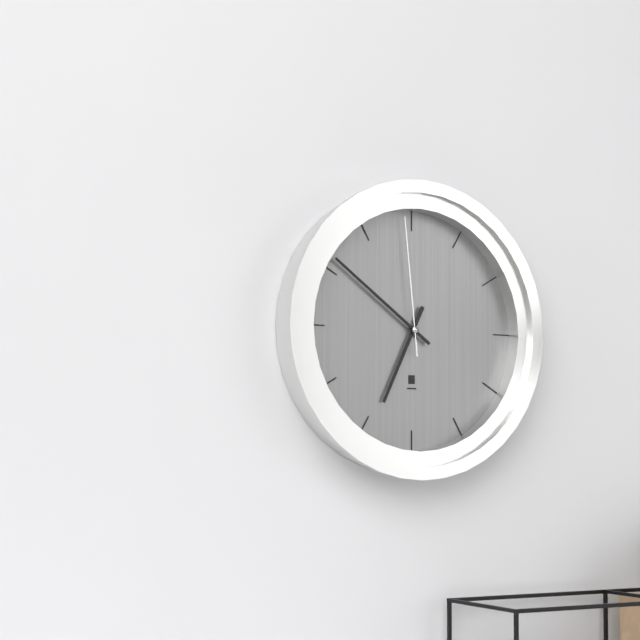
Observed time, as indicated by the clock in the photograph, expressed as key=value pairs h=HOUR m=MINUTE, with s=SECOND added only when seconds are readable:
h=6 m=51 s=59
